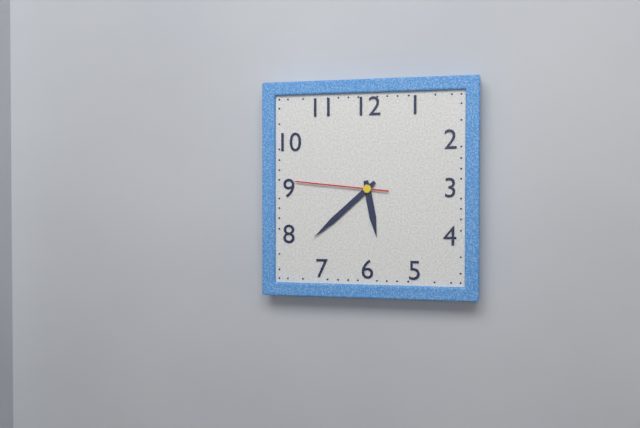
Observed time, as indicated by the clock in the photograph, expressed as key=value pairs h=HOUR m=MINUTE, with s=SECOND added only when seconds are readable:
h=5 m=38 s=46
